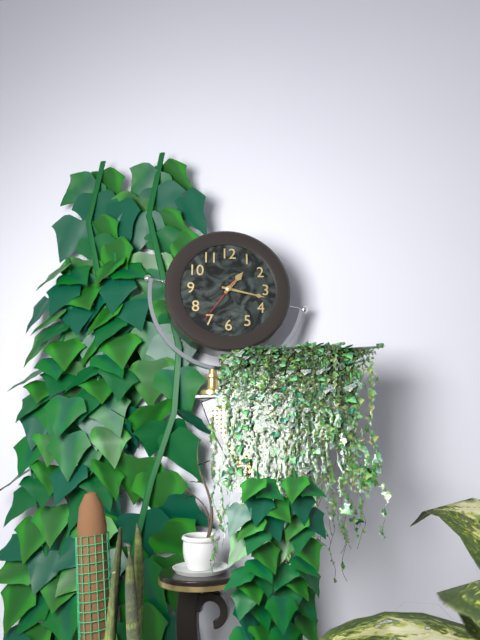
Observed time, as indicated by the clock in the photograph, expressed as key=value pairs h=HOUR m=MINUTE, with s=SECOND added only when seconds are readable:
h=1 m=17
